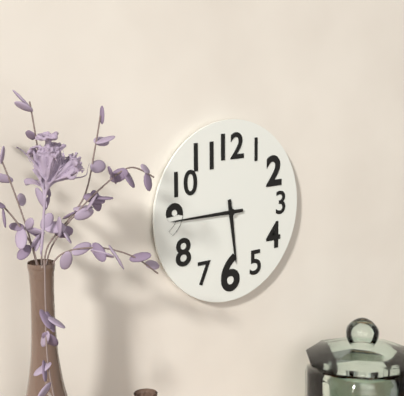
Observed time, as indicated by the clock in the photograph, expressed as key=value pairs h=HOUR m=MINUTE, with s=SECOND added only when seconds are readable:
h=5 m=45
